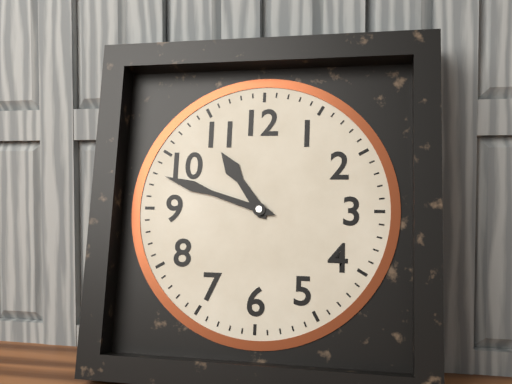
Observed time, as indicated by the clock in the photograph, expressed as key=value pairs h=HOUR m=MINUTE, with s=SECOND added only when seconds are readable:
h=10 m=48
